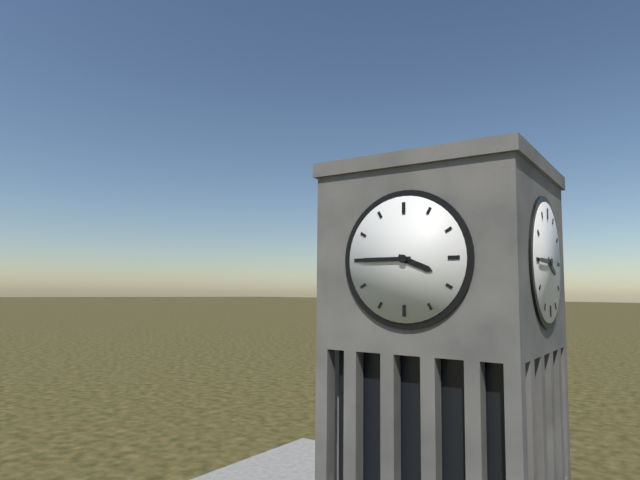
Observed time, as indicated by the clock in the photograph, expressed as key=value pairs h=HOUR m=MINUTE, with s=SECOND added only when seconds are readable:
h=3 m=45
